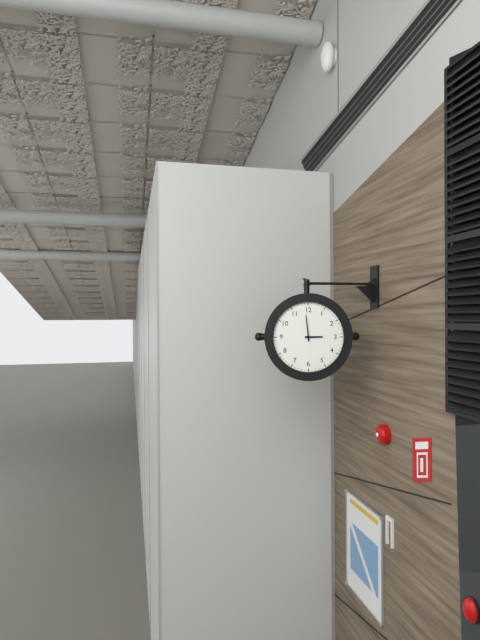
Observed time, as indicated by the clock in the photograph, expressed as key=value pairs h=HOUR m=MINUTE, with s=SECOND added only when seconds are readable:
h=2 m=59
